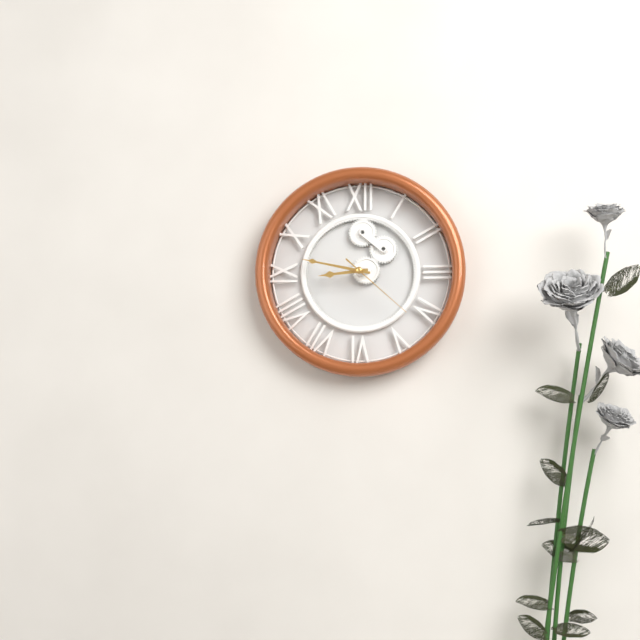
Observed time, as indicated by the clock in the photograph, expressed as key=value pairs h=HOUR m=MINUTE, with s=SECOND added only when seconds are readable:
h=8 m=47 s=22
